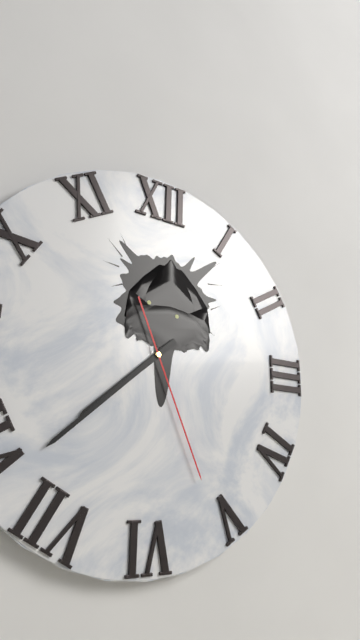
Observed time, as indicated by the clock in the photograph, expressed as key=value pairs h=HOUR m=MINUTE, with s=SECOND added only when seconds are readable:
h=7 m=38 s=26
